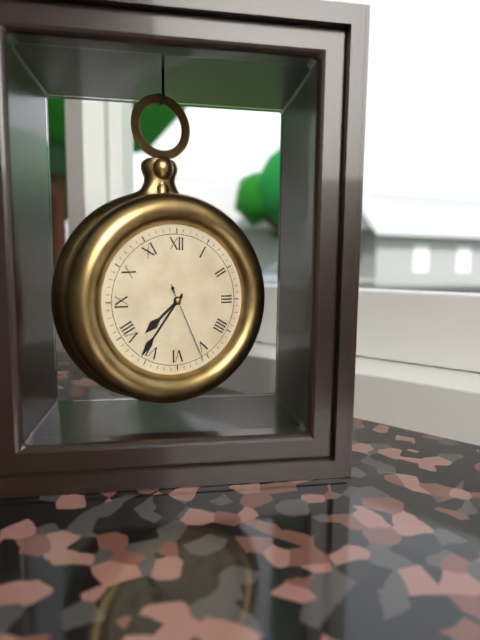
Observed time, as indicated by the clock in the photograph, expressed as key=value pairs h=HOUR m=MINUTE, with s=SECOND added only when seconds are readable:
h=7 m=36 s=26
